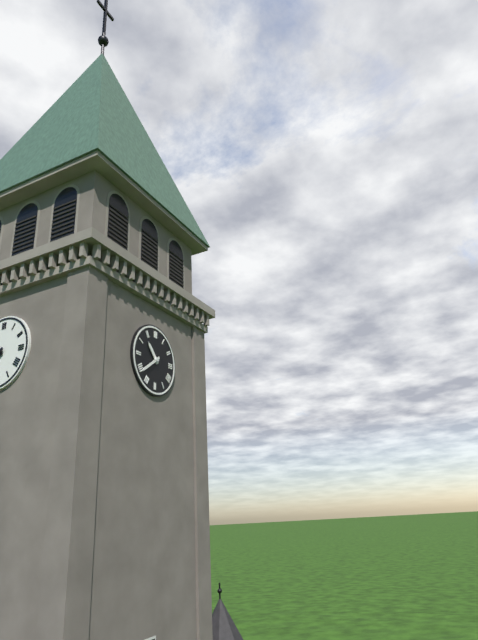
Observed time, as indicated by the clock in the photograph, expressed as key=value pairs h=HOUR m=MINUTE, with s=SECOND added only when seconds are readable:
h=10 m=39
